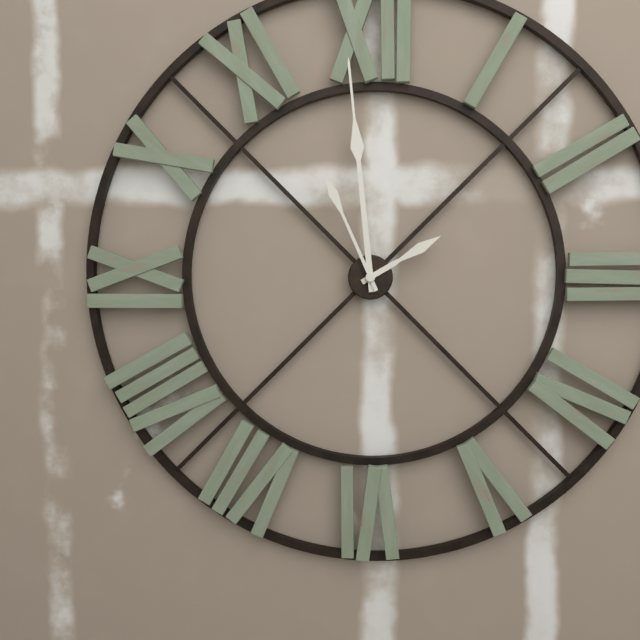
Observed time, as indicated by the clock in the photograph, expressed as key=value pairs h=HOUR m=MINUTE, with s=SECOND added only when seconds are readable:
h=1 m=59 s=56
